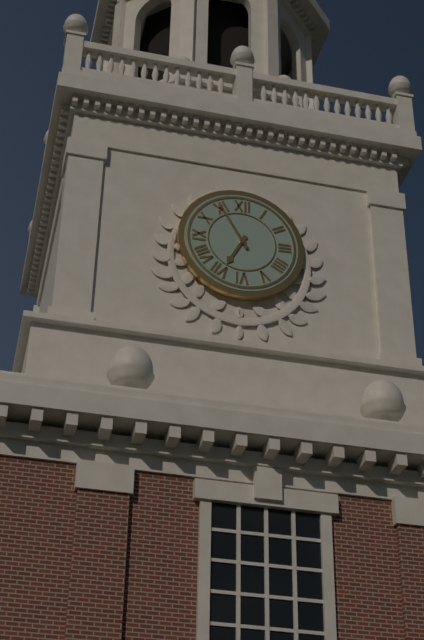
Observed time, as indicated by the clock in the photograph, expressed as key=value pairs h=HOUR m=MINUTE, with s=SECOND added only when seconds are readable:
h=6 m=55
